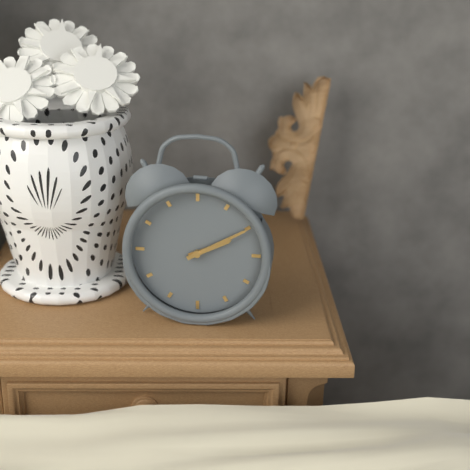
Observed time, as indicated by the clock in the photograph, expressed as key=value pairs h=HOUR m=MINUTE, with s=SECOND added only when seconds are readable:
h=2 m=10
